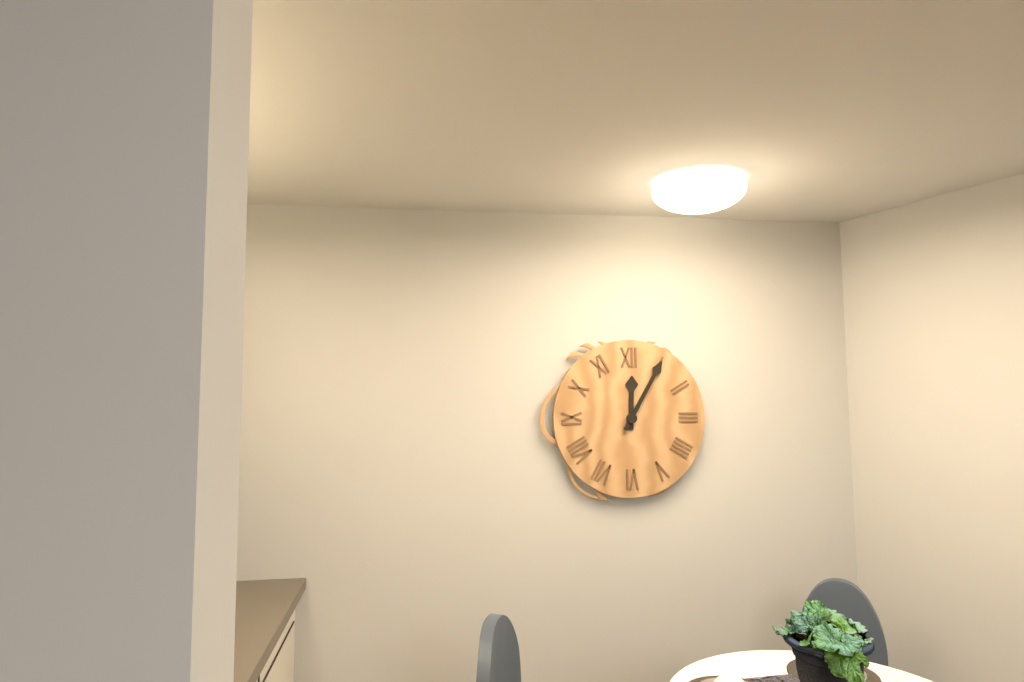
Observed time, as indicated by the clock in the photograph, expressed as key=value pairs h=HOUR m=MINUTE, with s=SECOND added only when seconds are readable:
h=12 m=5
